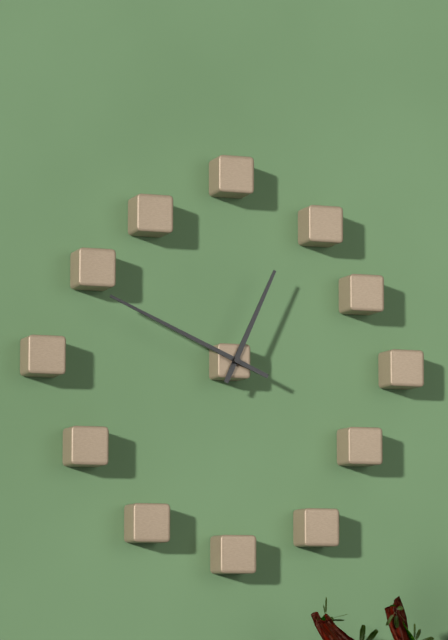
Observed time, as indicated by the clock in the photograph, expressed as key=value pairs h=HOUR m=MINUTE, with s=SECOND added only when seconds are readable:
h=12 m=49
